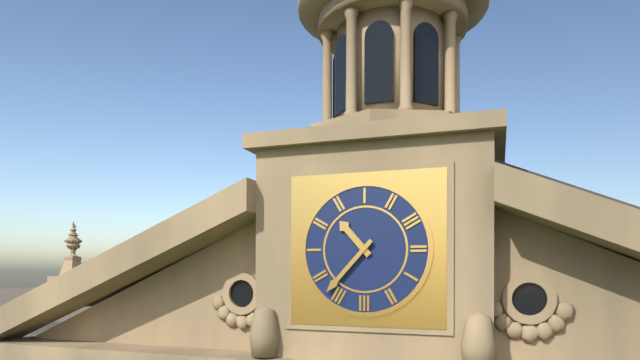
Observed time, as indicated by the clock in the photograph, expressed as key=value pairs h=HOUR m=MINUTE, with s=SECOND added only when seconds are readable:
h=10 m=37
